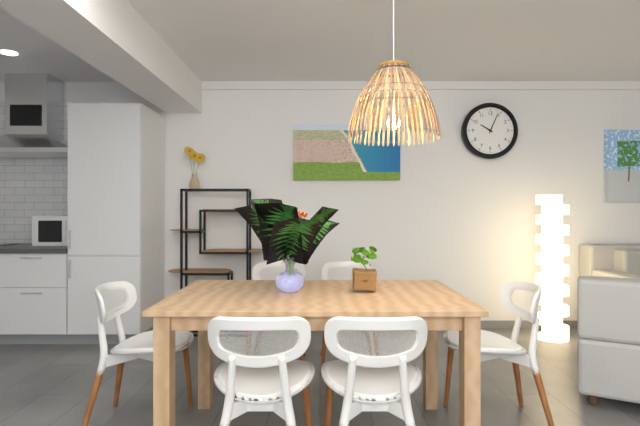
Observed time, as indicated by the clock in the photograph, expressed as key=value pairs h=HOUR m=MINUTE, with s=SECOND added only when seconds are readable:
h=10 m=4
